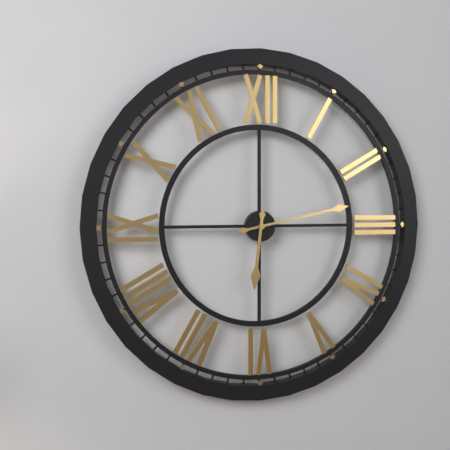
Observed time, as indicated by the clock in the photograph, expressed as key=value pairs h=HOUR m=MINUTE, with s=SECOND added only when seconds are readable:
h=6 m=13
